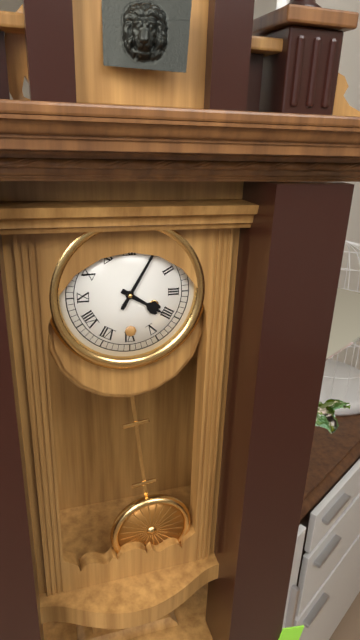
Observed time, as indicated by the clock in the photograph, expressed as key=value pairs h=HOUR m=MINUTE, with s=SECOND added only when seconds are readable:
h=4 m=5
